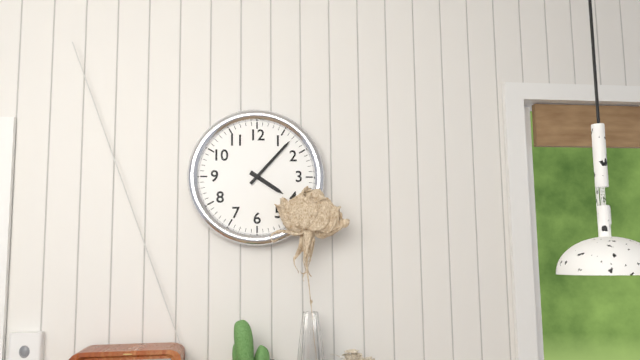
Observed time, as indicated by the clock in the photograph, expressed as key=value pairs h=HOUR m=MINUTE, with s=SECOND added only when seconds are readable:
h=4 m=7
